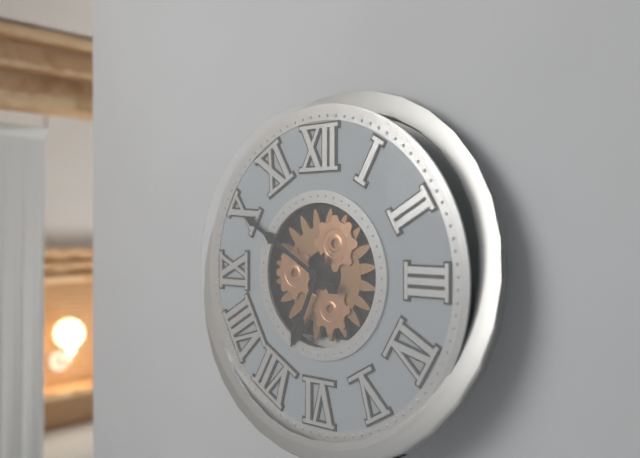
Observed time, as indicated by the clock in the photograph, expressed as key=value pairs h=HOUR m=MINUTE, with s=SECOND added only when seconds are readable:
h=6 m=50
